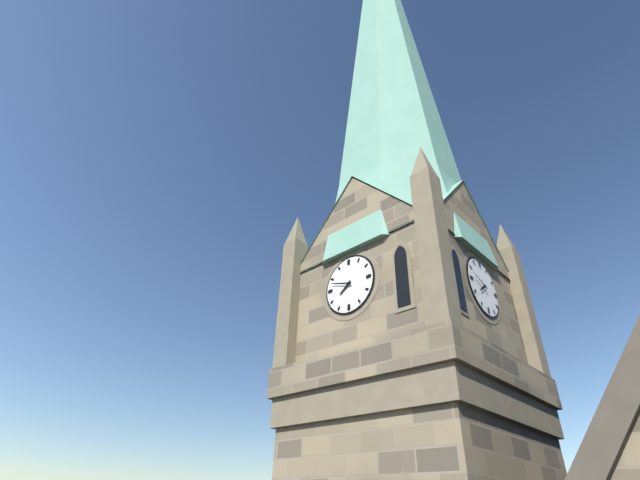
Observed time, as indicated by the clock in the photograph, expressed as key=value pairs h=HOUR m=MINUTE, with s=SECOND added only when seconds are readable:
h=7 m=48
